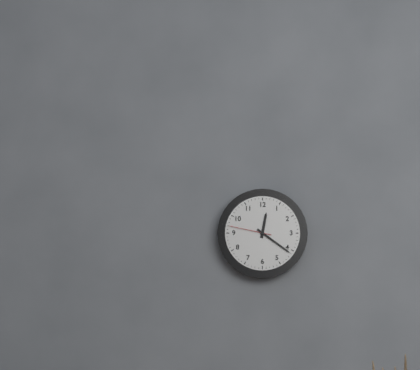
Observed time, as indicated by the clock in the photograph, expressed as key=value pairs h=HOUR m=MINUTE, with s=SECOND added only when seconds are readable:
h=12 m=21
